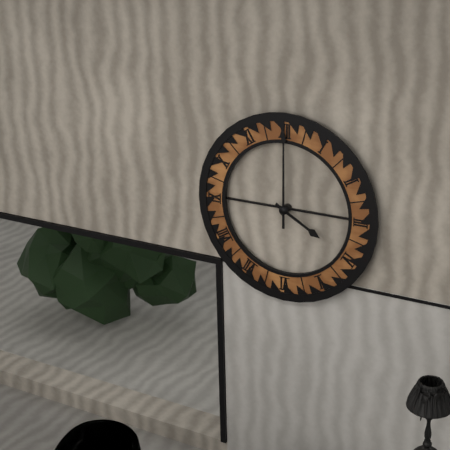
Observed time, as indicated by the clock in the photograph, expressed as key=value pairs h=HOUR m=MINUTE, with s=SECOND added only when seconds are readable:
h=4 m=0
